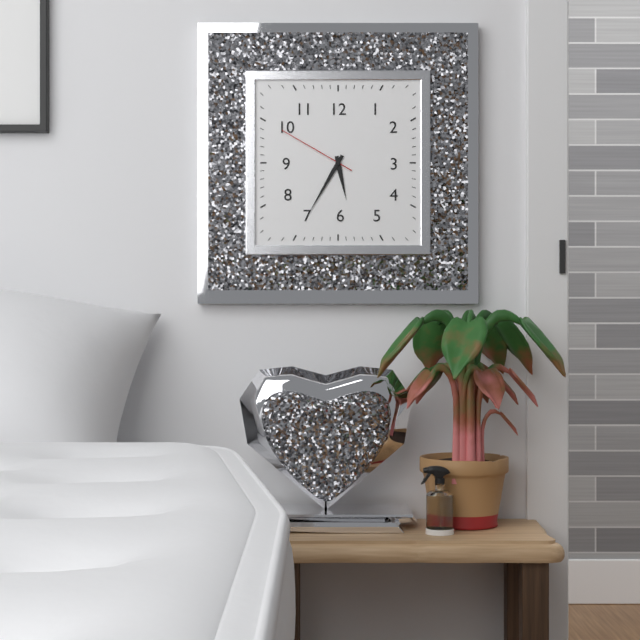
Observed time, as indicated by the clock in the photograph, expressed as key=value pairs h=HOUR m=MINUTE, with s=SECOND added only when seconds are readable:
h=5 m=35 s=50
